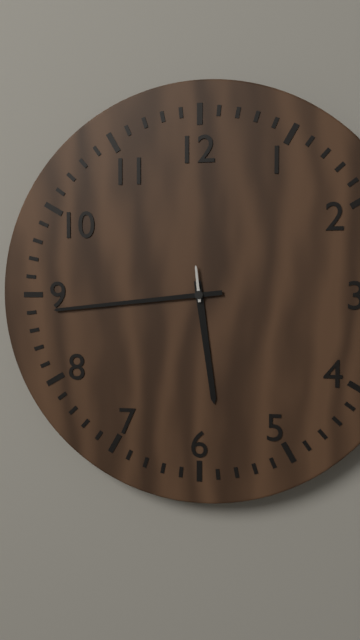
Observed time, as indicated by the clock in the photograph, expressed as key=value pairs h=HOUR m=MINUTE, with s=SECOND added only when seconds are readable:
h=5 m=44
